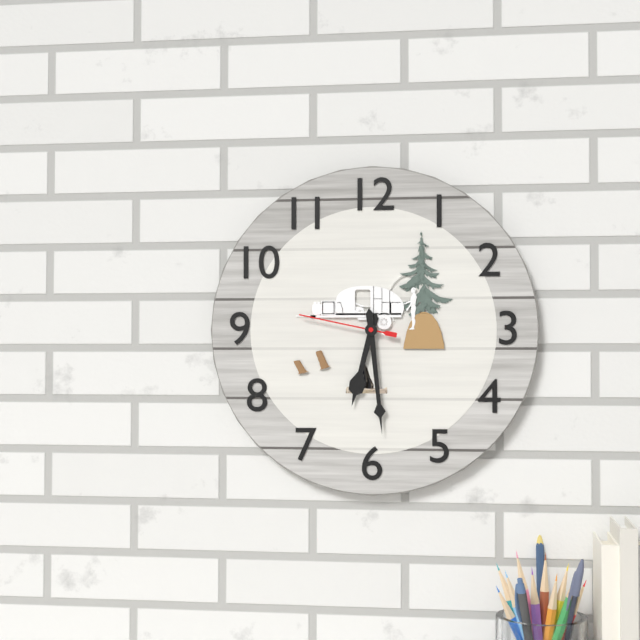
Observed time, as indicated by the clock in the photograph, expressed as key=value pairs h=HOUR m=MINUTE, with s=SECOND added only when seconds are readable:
h=6 m=29 s=47
